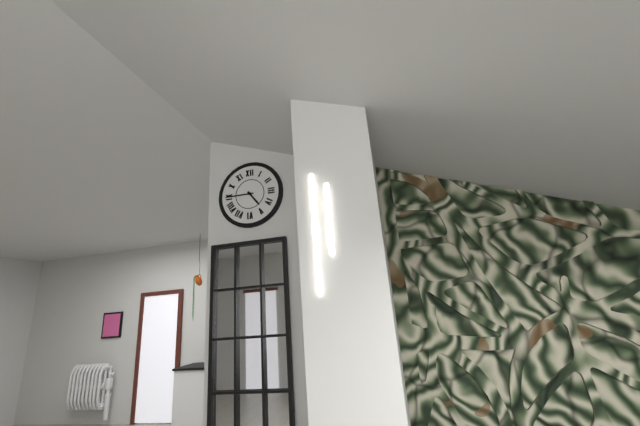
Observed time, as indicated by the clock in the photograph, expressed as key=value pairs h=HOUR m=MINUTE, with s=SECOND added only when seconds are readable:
h=4 m=45
